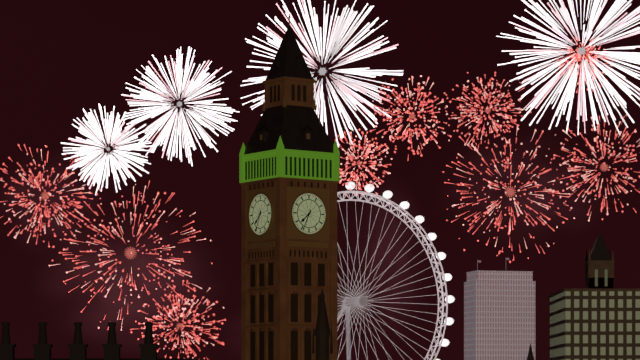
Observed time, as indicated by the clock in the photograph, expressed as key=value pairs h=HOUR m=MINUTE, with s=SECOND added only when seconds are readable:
h=7 m=34
